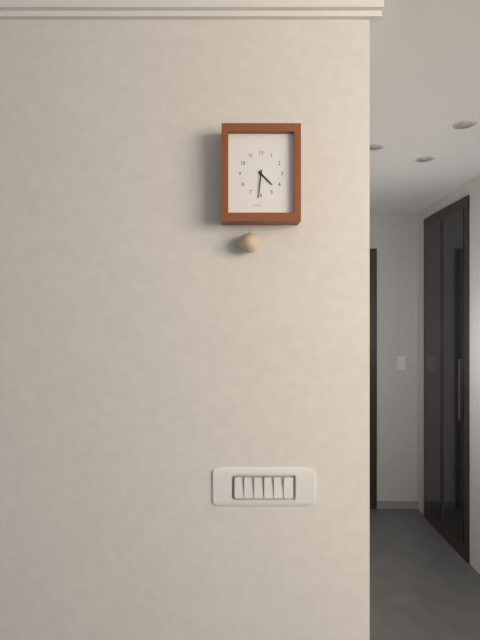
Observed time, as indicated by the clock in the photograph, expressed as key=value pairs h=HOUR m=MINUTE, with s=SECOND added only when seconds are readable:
h=4 m=31
